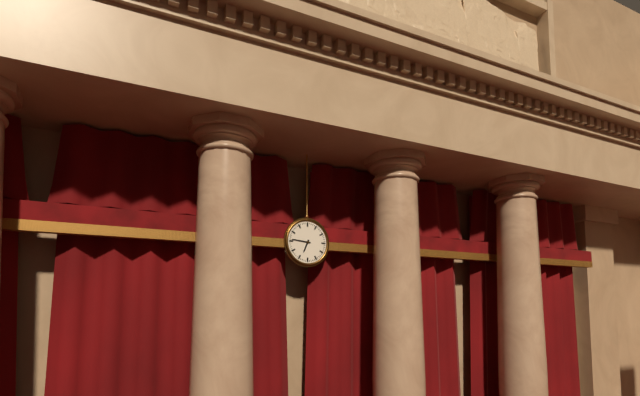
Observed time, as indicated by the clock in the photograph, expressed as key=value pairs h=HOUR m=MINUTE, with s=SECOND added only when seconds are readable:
h=6 m=46
